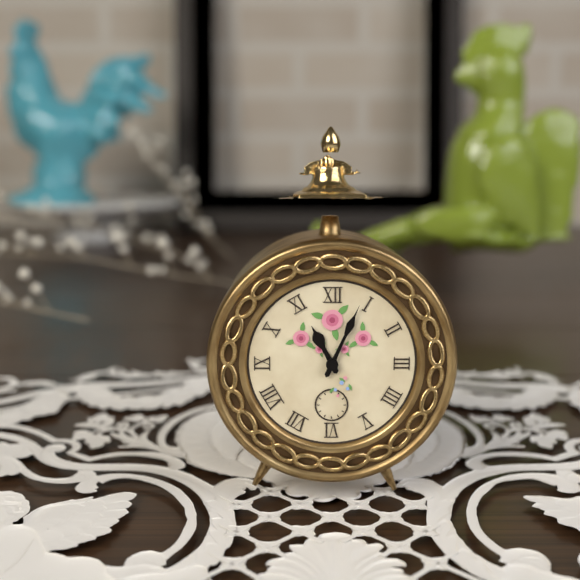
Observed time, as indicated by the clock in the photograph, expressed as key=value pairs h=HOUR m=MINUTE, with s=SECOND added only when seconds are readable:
h=11 m=4
